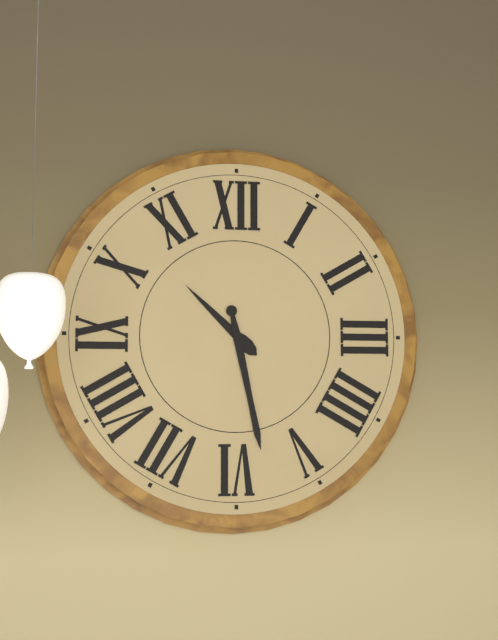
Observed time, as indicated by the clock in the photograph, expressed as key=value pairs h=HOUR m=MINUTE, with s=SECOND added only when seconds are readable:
h=10 m=28
